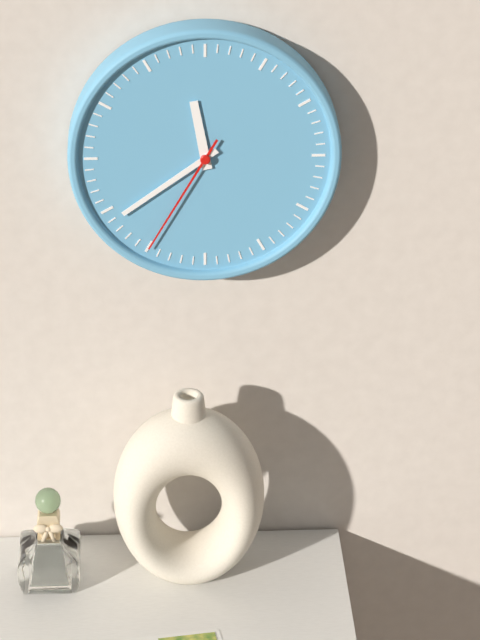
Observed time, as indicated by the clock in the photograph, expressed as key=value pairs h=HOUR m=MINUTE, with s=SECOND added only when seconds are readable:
h=11 m=39 s=35
